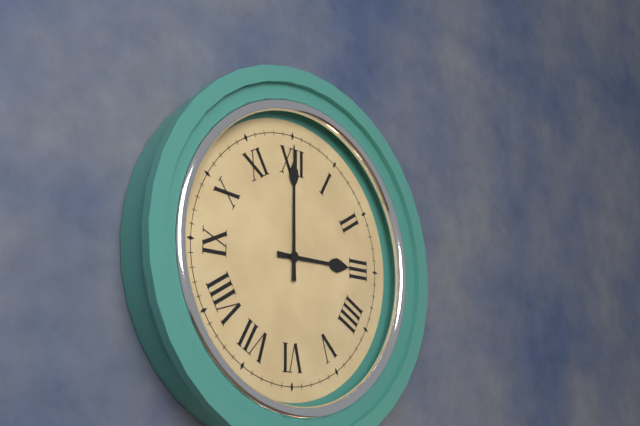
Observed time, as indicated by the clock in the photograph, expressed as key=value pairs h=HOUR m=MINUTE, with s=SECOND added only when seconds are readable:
h=3 m=0
